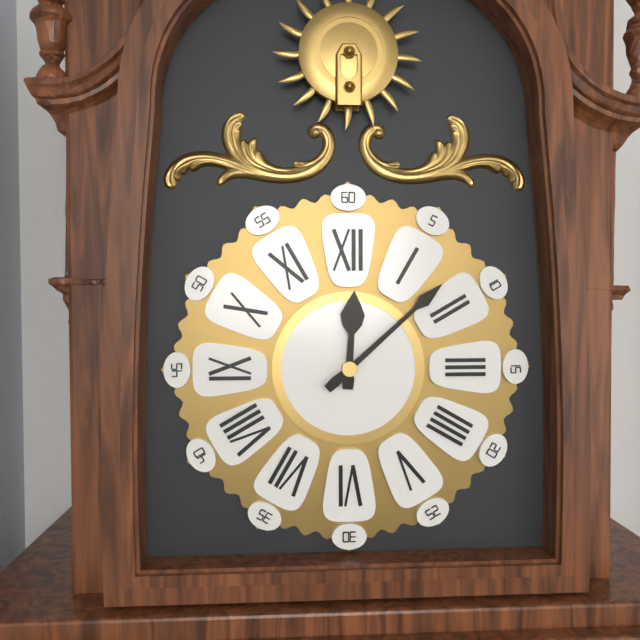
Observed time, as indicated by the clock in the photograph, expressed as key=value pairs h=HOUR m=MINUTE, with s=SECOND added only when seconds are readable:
h=12 m=8
